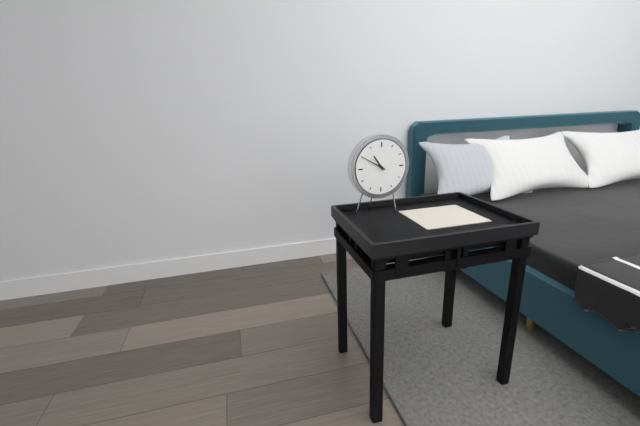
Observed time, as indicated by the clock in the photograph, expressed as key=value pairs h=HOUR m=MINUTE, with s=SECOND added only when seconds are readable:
h=10 m=50
